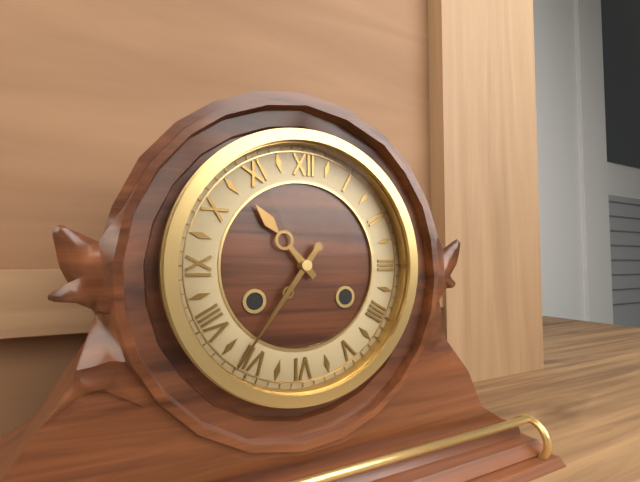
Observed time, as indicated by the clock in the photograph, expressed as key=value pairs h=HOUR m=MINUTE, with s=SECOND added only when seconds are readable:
h=10 m=36
